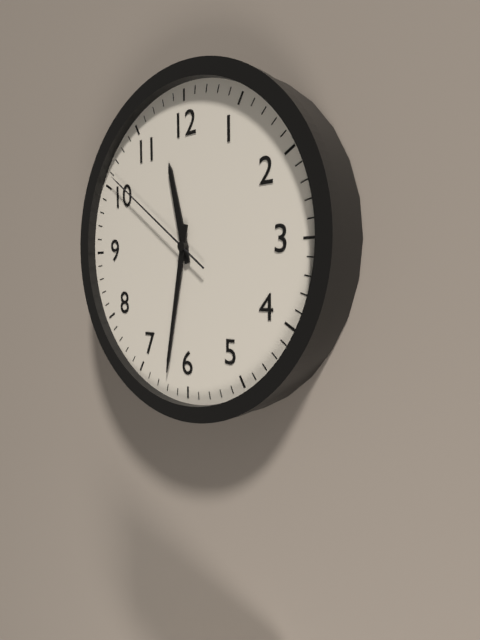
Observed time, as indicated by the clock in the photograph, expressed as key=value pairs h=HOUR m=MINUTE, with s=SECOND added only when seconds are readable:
h=11 m=32 s=51
